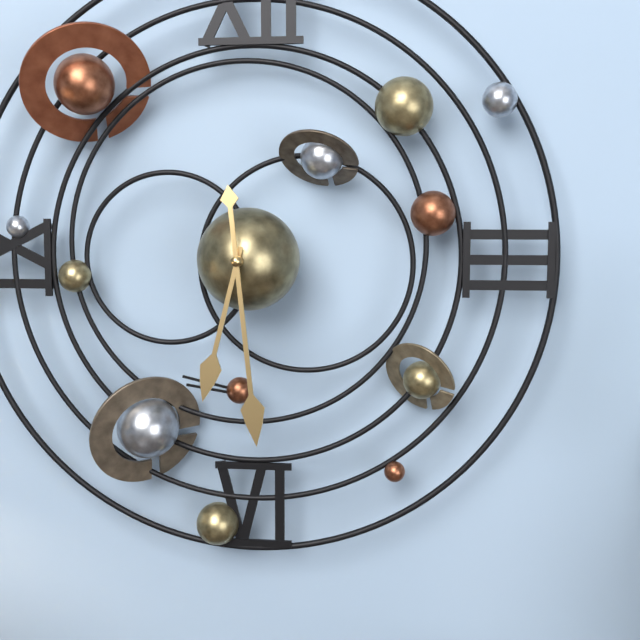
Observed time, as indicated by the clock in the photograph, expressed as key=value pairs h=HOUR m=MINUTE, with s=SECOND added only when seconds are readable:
h=6 m=29
